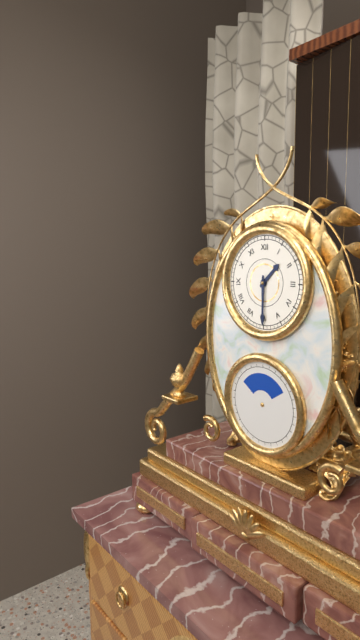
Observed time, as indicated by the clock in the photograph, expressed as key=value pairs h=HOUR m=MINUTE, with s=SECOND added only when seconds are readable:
h=1 m=30
